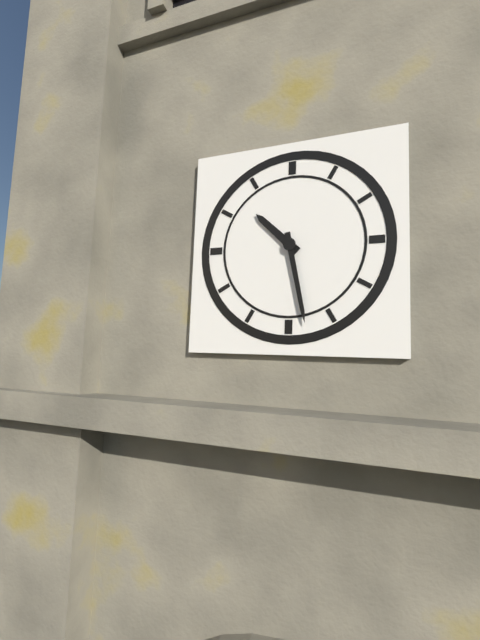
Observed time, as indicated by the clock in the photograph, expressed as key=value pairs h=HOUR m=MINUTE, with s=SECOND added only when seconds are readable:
h=10 m=28
